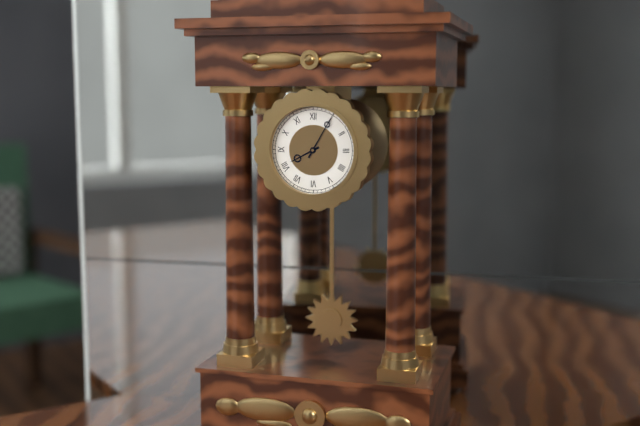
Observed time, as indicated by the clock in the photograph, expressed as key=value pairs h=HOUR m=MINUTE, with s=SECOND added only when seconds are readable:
h=8 m=5
